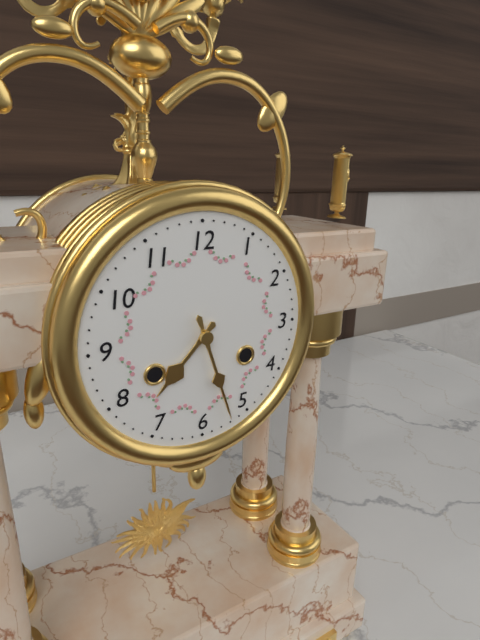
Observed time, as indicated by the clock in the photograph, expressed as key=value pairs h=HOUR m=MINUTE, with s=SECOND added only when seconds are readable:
h=7 m=27
